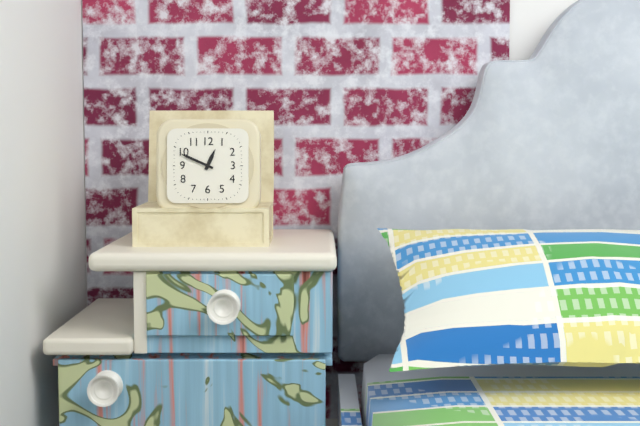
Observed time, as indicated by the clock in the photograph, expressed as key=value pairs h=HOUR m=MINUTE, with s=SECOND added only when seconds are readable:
h=12 m=49
